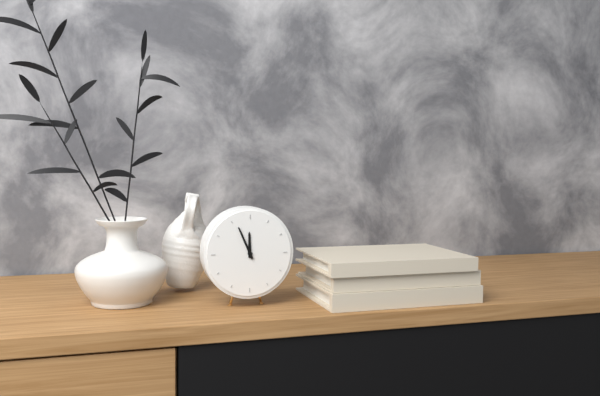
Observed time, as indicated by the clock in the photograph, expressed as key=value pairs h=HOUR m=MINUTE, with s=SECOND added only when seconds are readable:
h=11 m=56
